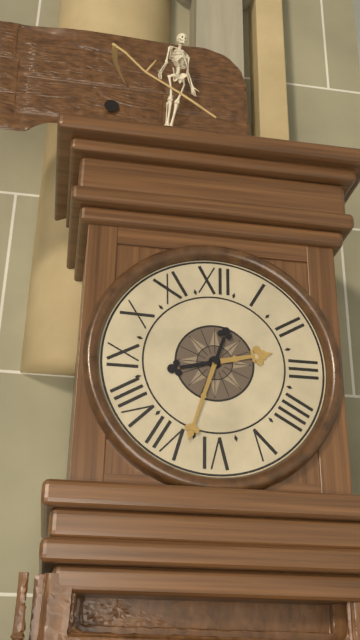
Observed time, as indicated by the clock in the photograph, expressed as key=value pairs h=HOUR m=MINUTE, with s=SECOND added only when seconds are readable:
h=2 m=33
